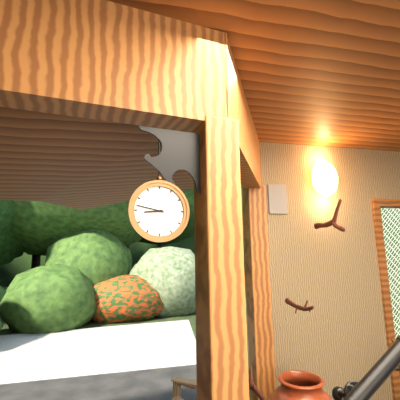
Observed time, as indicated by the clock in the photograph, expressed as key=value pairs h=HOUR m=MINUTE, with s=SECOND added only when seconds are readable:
h=8 m=47
